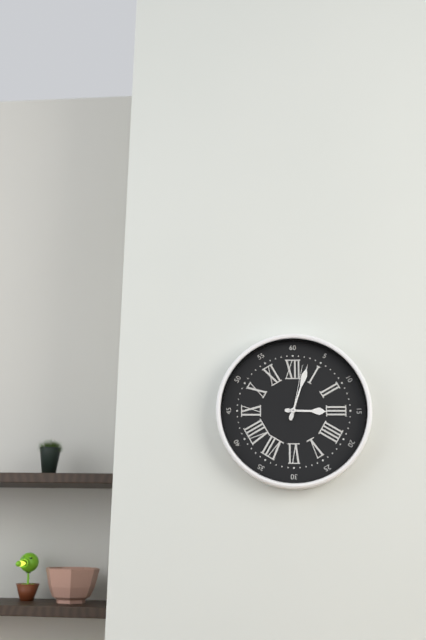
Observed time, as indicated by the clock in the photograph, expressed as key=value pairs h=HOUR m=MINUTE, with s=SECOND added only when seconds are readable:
h=3 m=3 s=2
